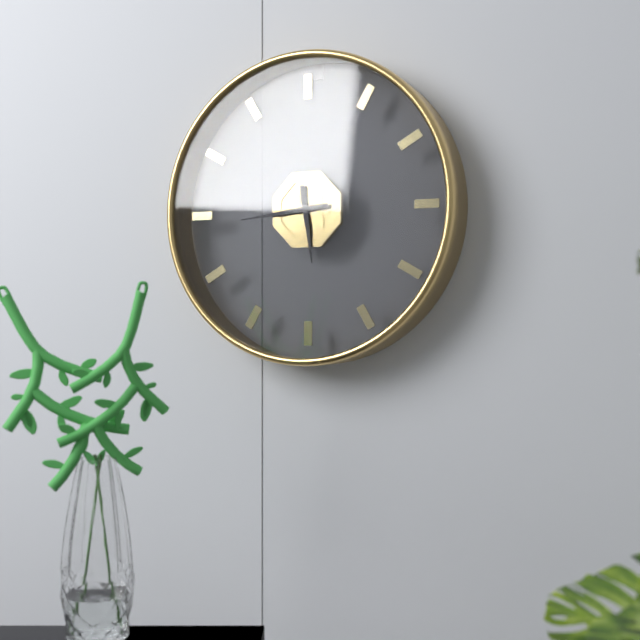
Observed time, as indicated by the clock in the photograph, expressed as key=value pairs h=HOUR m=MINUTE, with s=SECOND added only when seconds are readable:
h=5 m=44
